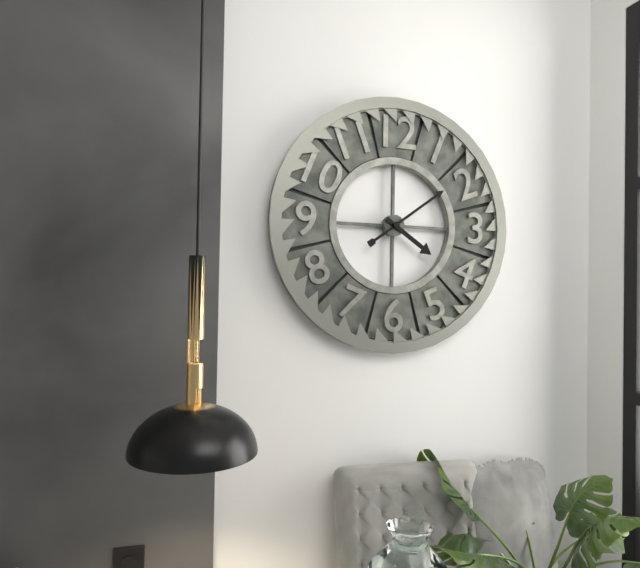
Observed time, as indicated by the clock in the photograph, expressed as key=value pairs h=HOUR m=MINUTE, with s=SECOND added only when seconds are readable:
h=4 m=9
